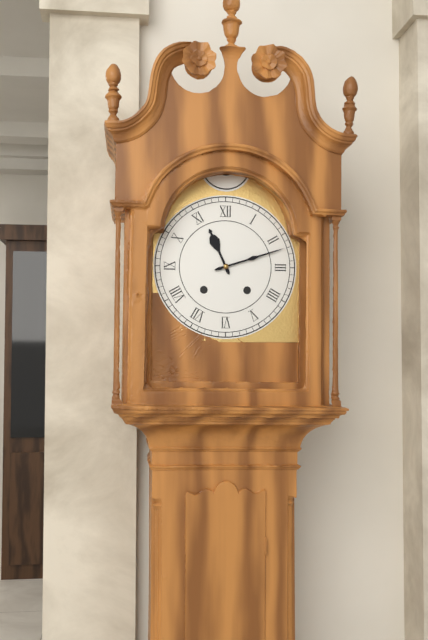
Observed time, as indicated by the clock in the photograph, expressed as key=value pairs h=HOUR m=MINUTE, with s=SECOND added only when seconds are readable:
h=11 m=12
